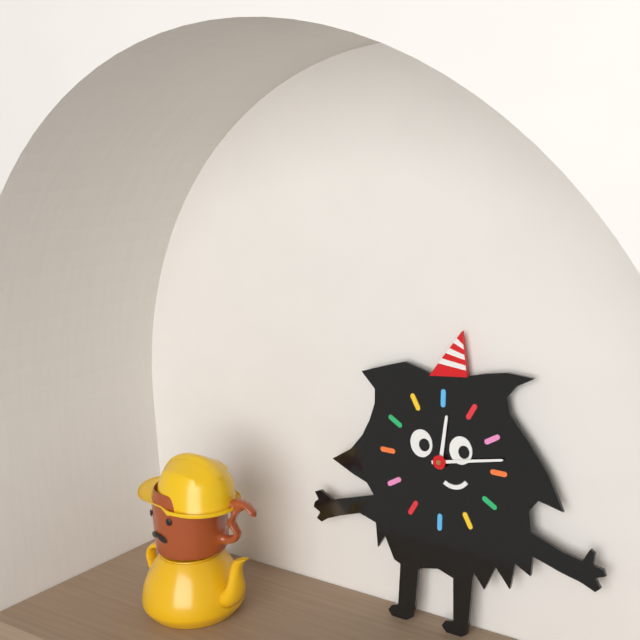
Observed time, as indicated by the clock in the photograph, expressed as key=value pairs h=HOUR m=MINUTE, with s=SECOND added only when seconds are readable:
h=12 m=13
